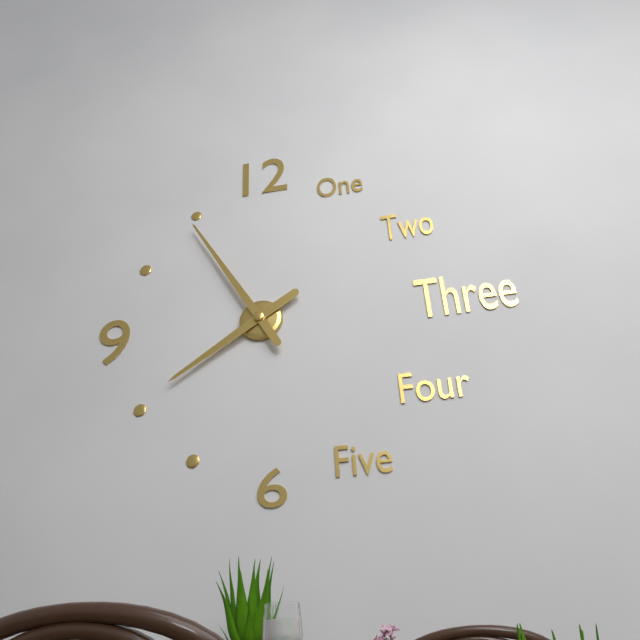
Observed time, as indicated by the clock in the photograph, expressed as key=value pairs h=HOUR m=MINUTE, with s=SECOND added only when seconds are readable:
h=7 m=55
